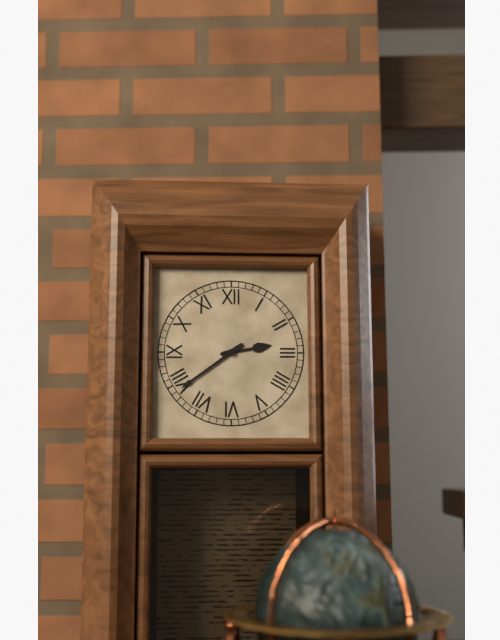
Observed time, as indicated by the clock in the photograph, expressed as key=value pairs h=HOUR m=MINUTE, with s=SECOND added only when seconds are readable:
h=2 m=39
